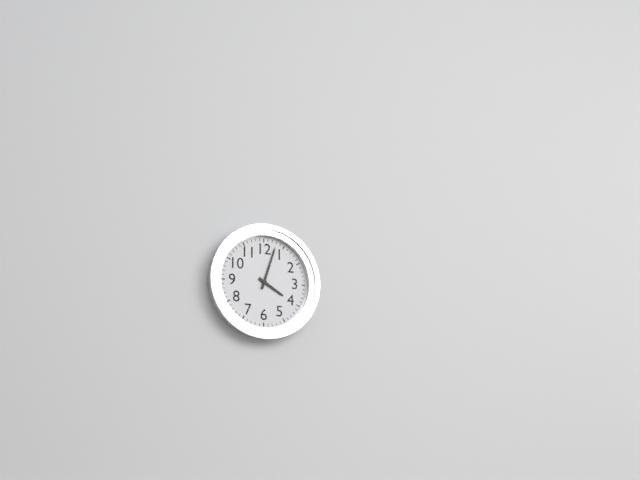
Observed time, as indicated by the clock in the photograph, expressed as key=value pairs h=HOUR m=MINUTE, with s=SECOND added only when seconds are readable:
h=4 m=3
